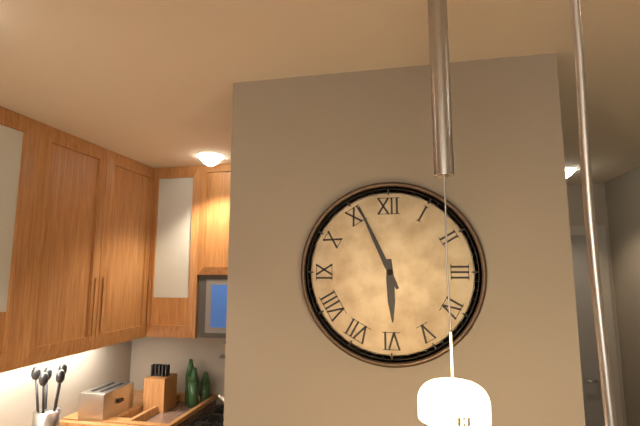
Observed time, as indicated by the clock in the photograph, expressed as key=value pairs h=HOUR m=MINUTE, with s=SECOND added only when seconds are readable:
h=5 m=56
